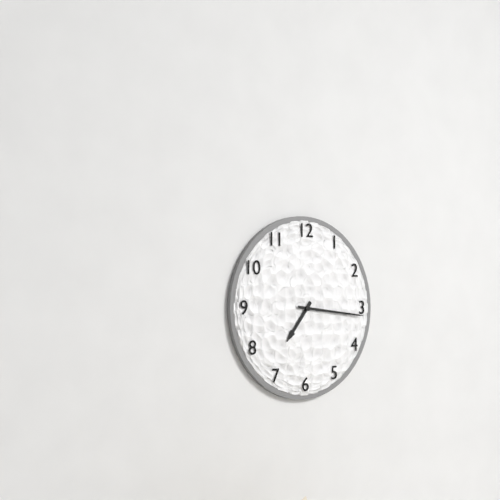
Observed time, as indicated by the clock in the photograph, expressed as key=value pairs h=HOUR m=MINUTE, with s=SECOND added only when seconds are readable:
h=7 m=16
